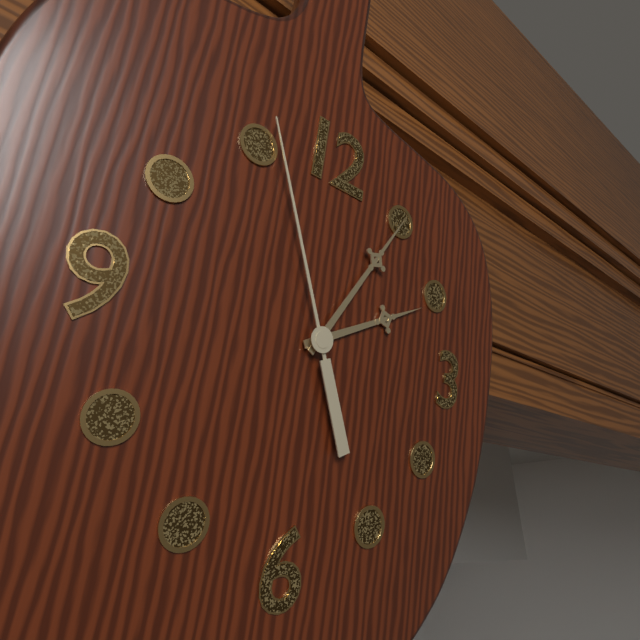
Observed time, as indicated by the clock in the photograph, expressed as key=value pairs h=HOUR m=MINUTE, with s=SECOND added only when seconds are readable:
h=2 m=5 s=56
